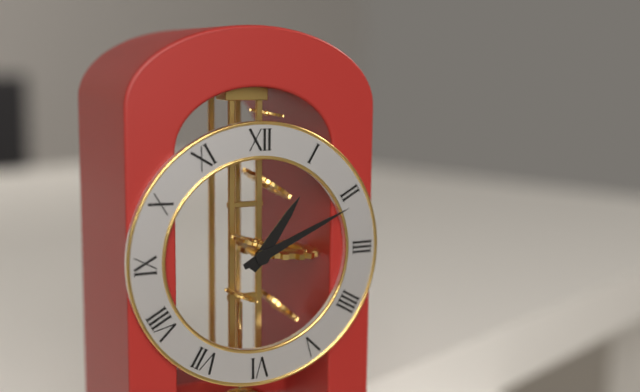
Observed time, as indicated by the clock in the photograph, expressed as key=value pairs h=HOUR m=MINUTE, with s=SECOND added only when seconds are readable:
h=1 m=11
